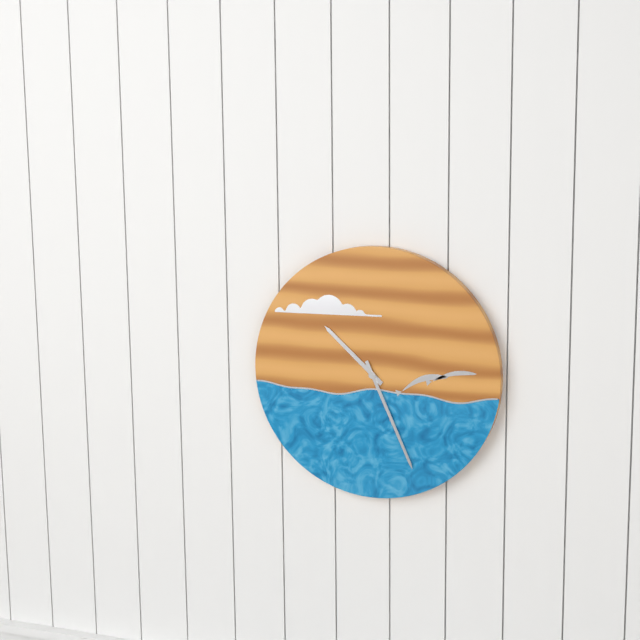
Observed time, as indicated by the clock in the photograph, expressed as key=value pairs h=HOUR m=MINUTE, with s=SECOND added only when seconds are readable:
h=10 m=26
